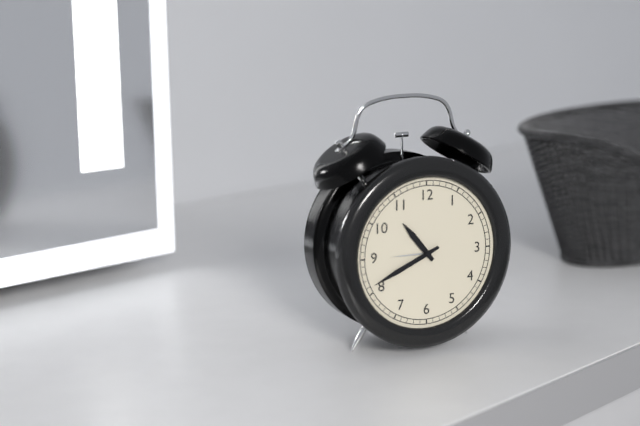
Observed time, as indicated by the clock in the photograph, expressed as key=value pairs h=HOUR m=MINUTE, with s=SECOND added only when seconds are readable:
h=10 m=41
